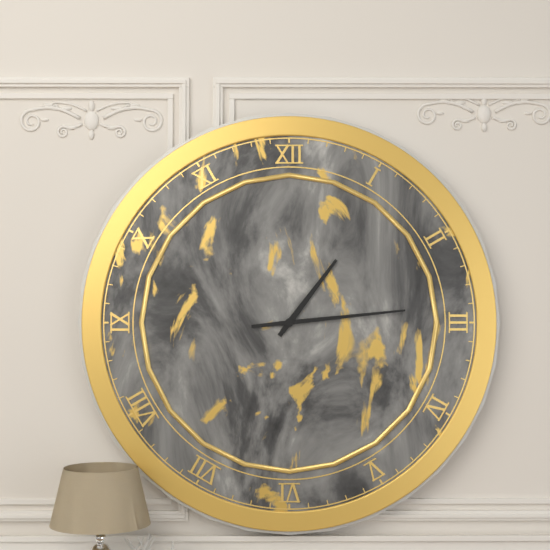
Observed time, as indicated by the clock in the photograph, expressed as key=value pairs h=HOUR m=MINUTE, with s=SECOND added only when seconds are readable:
h=1 m=14
